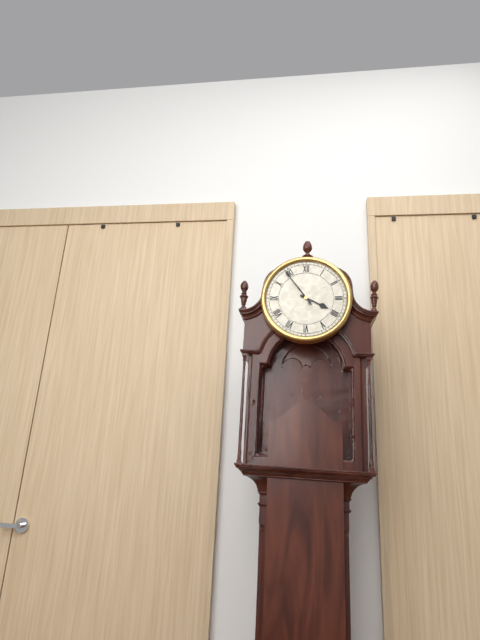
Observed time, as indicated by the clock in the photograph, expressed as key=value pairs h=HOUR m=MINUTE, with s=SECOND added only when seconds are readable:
h=3 m=54
